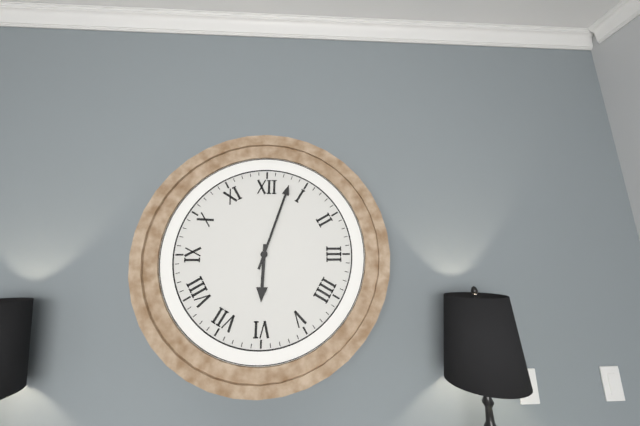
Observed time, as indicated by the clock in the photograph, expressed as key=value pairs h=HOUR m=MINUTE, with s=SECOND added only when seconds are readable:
h=6 m=3
